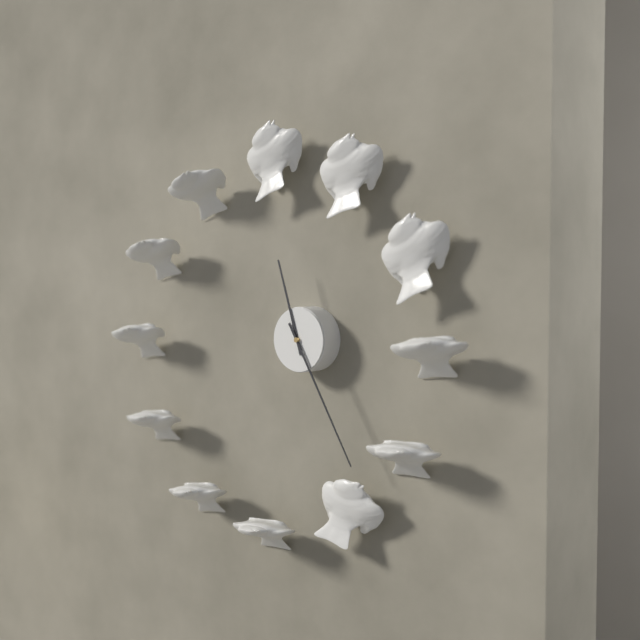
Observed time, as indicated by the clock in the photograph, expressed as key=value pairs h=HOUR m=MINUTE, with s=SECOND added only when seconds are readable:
h=11 m=25
